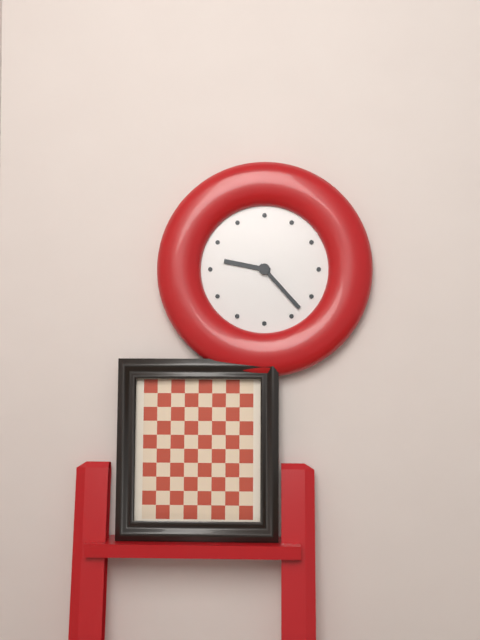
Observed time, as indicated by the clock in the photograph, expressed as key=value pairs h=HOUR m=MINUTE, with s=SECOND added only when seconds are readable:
h=9 m=23
